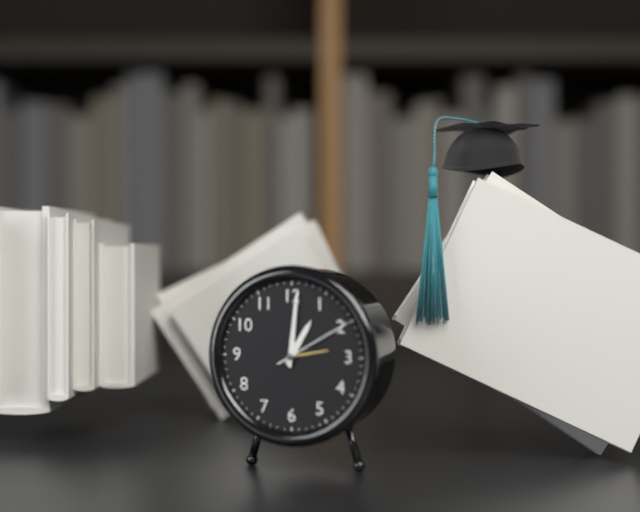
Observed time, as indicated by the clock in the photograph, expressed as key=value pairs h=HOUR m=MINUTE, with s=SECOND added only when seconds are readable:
h=1 m=1 s=10
